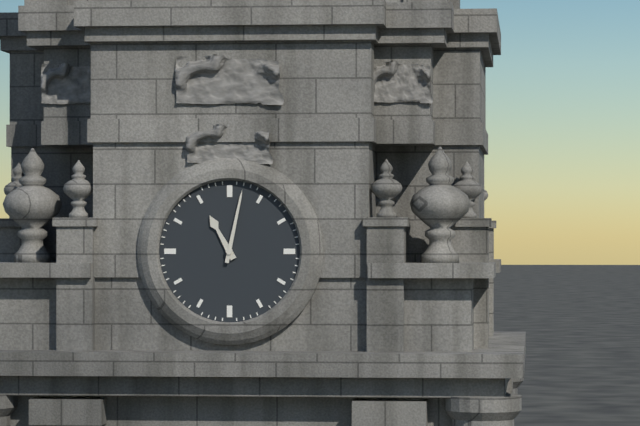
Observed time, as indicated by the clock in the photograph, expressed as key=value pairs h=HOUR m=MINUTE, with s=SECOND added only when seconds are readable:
h=11 m=2
